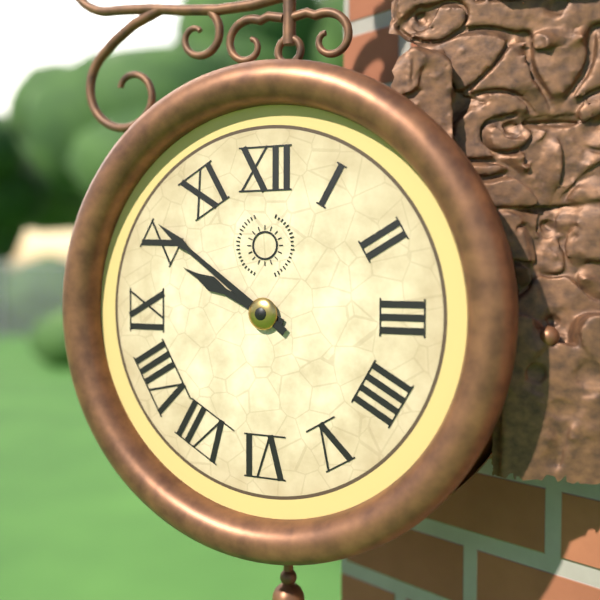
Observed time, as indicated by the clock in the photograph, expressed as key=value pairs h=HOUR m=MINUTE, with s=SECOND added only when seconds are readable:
h=9 m=51
